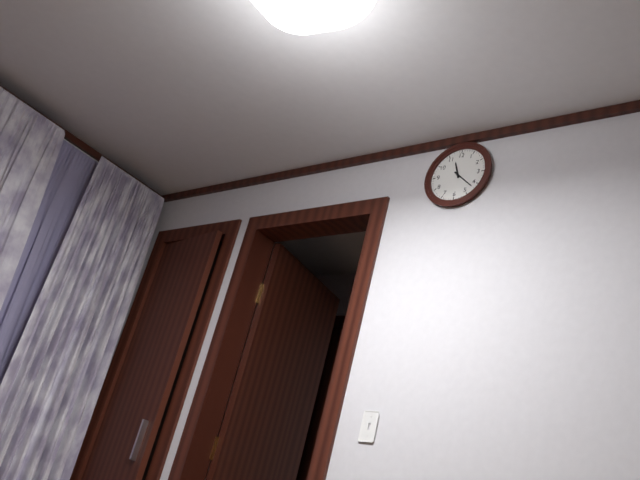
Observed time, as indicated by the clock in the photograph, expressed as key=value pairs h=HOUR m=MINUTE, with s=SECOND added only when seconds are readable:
h=11 m=22
